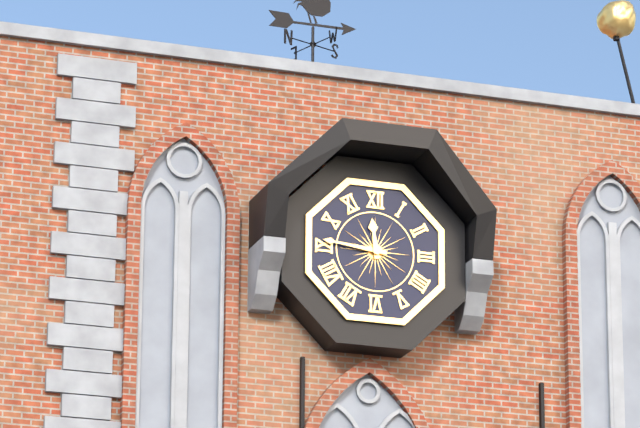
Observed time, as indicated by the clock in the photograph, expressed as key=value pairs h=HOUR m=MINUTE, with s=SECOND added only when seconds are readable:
h=11 m=46
